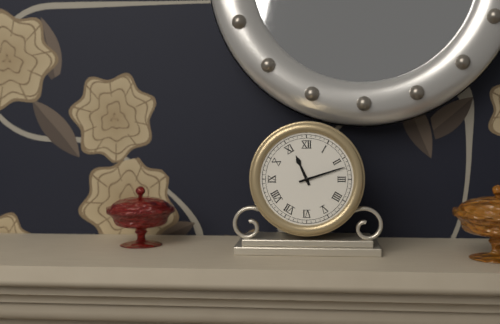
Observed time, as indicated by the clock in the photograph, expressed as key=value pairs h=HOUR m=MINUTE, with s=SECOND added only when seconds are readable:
h=11 m=12
